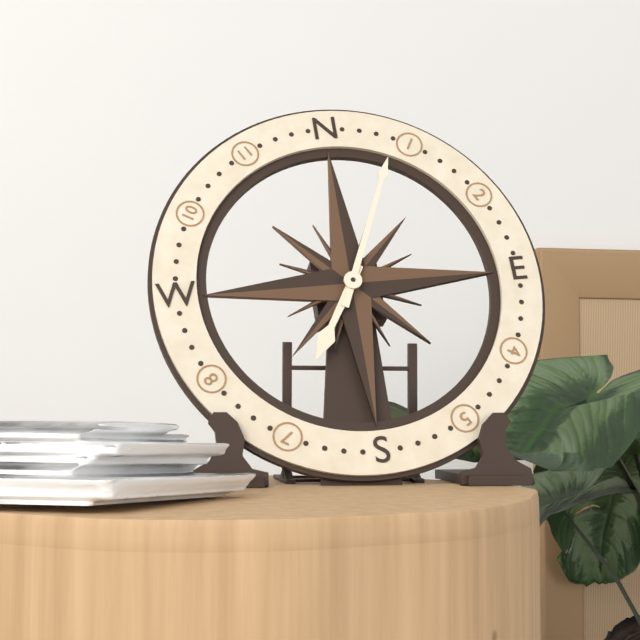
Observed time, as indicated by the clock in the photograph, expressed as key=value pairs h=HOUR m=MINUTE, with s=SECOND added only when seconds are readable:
h=7 m=4
